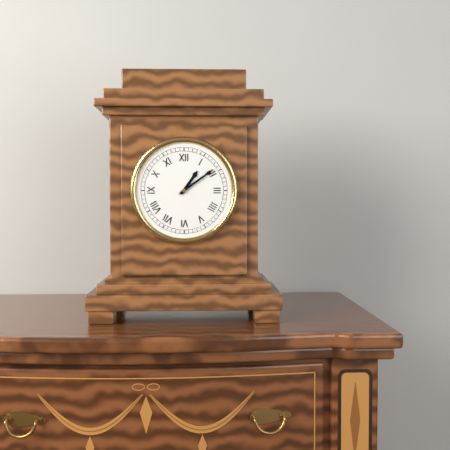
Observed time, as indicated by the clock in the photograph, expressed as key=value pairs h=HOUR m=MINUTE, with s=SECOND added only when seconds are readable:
h=1 m=9
